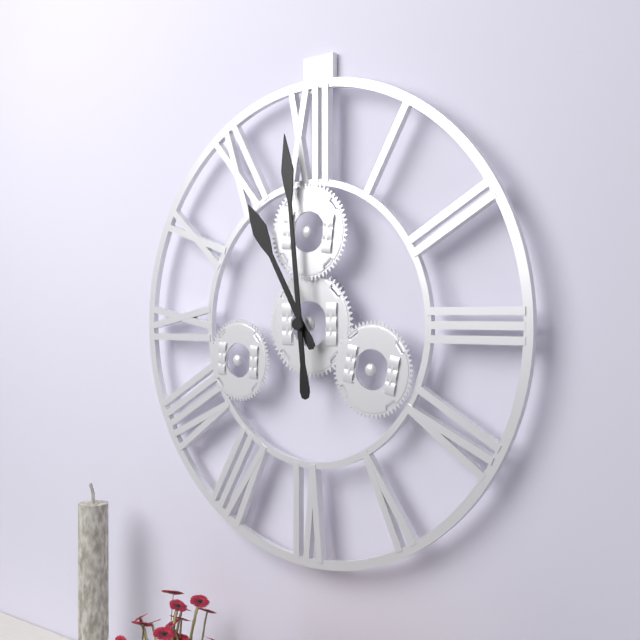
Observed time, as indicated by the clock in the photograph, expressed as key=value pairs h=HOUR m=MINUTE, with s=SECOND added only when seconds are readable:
h=10 m=59
